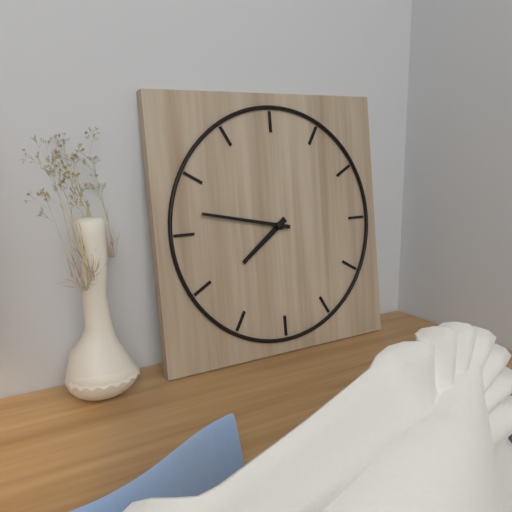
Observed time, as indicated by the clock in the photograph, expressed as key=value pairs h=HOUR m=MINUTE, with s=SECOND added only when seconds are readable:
h=7 m=47
